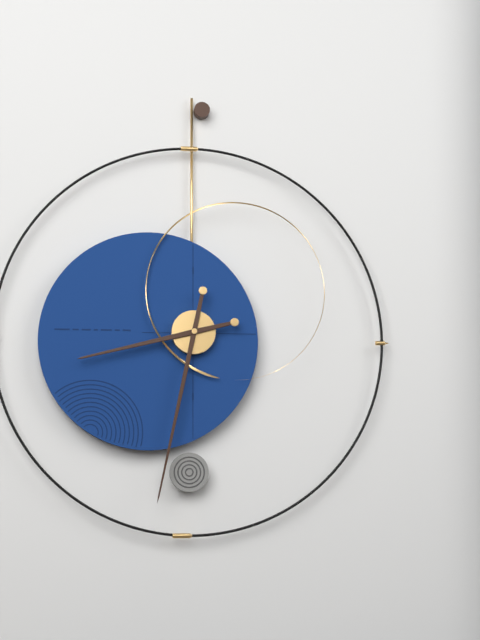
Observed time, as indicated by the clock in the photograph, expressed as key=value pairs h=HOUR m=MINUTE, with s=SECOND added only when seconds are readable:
h=8 m=32
